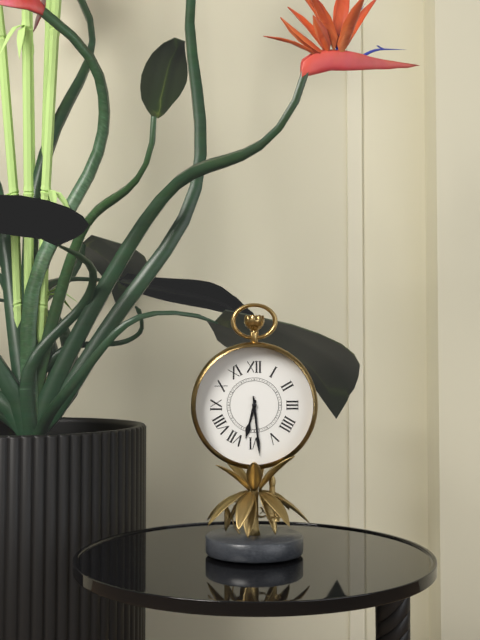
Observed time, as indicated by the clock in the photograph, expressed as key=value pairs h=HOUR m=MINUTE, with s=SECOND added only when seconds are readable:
h=6 m=29
